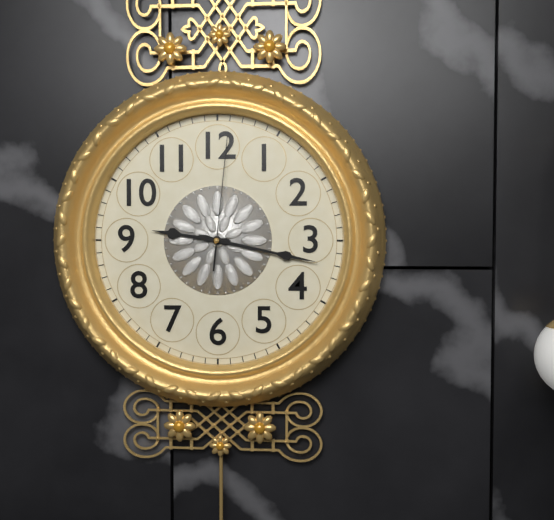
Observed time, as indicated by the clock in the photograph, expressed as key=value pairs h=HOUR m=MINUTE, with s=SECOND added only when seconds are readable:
h=9 m=17 s=1
